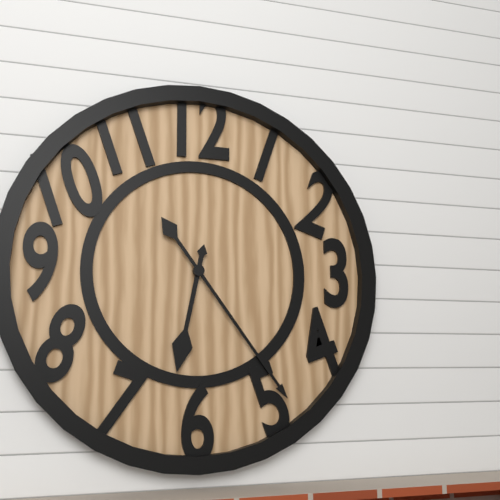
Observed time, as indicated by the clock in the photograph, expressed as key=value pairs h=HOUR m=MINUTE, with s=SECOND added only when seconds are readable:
h=6 m=24
